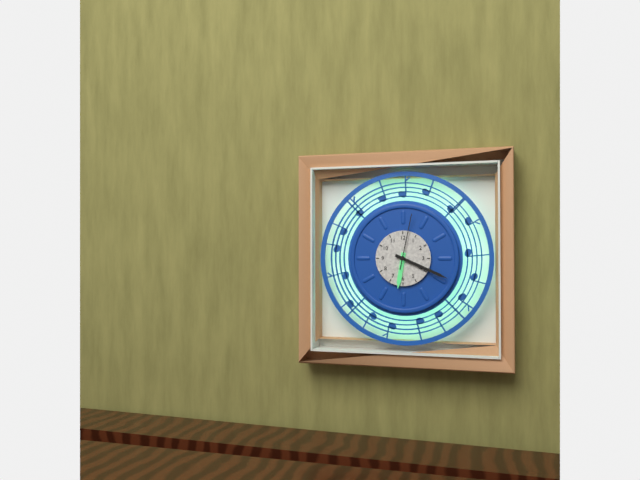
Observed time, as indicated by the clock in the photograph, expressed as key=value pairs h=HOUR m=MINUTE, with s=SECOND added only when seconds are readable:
h=6 m=19 s=2
